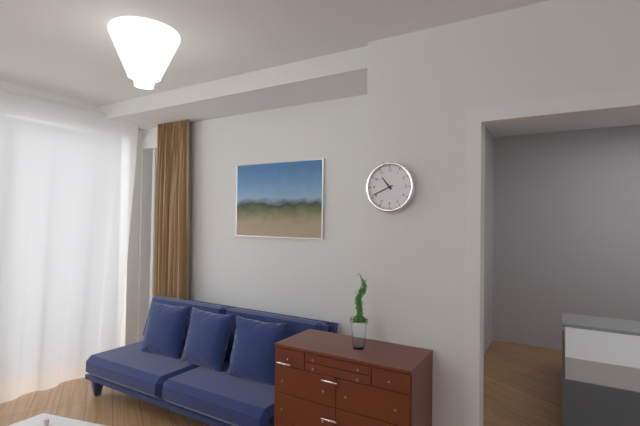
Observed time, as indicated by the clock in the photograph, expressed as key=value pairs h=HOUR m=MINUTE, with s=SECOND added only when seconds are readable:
h=10 m=41
